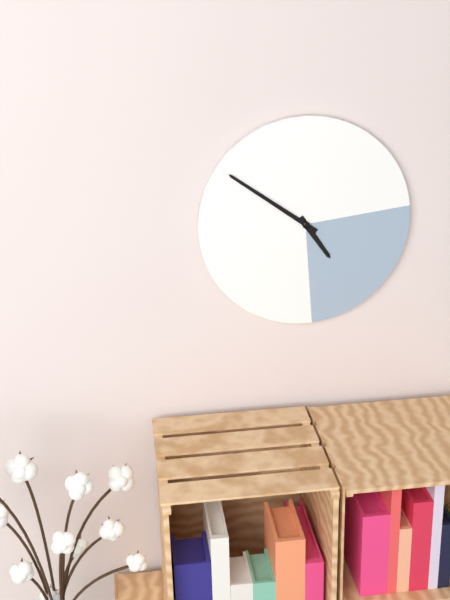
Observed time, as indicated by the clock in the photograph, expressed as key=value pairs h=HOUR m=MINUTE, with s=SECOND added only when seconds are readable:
h=4 m=51
